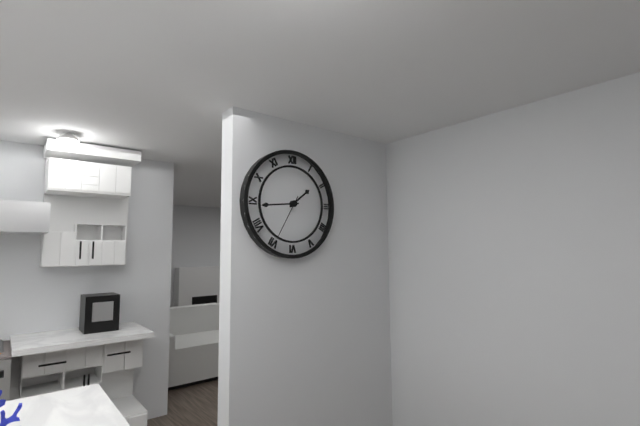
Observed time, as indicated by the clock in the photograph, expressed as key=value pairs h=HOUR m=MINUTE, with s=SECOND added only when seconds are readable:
h=1 m=44
